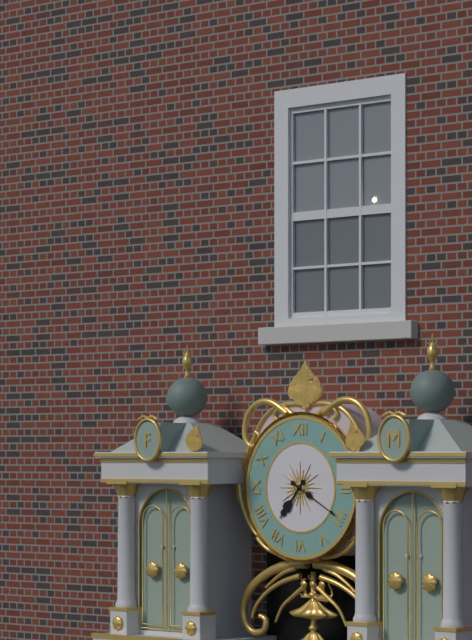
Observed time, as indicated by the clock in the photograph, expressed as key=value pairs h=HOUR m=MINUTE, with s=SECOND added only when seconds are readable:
h=7 m=20
